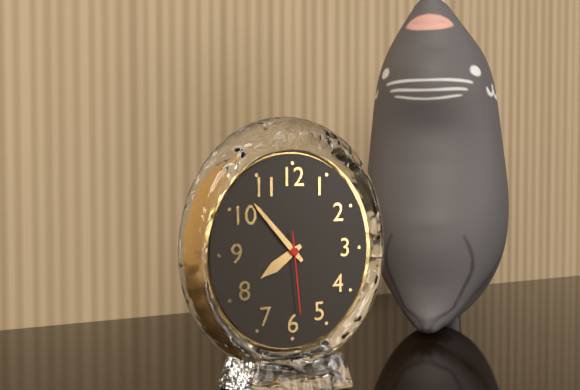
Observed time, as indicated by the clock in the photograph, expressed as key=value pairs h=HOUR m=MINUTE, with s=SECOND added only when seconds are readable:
h=7 m=53 s=29
